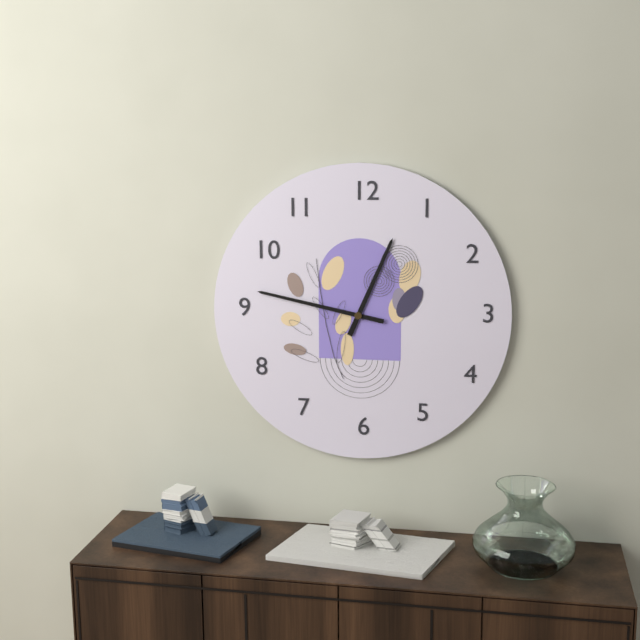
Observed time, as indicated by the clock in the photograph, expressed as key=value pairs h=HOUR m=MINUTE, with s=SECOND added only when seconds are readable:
h=12 m=47
